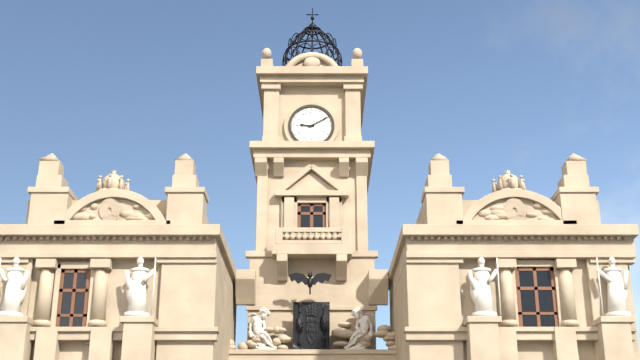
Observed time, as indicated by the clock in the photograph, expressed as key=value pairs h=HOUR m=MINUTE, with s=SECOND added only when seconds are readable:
h=9 m=10
